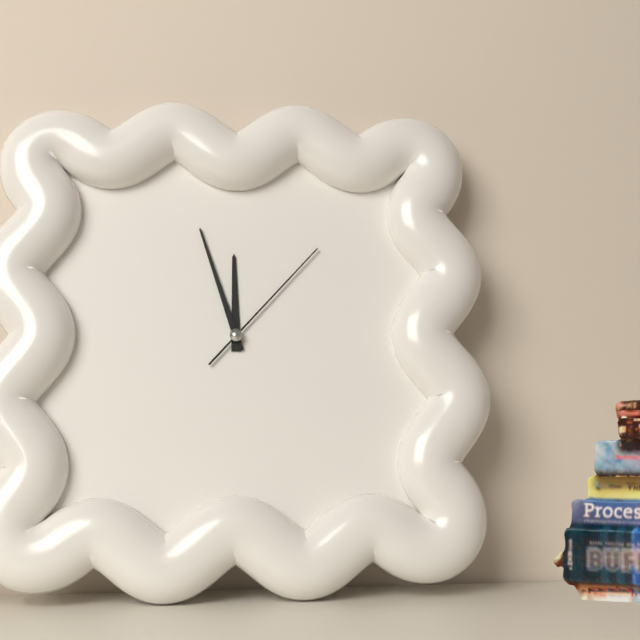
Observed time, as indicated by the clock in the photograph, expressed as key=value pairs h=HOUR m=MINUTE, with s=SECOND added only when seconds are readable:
h=11 m=57 s=7
